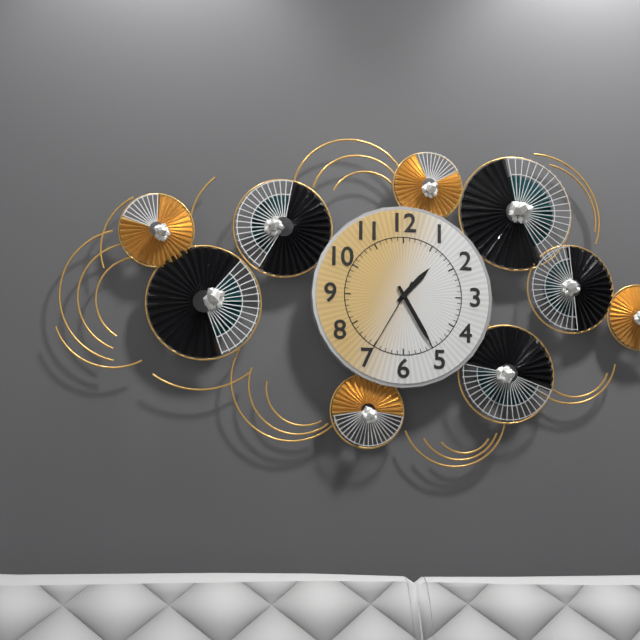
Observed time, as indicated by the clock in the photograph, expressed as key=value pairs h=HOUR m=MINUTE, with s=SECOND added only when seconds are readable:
h=1 m=25 s=35
